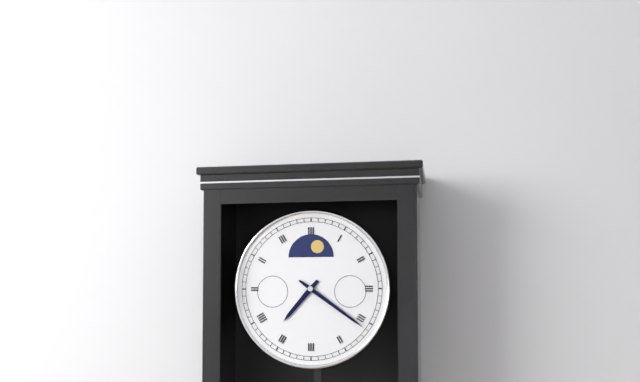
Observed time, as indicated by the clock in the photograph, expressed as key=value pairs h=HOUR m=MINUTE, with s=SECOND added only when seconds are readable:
h=7 m=21
